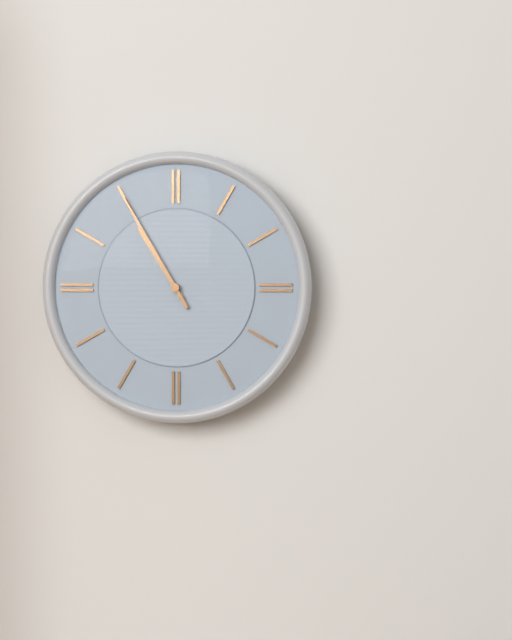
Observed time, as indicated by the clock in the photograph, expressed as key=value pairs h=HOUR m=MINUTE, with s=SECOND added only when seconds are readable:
h=10 m=55
